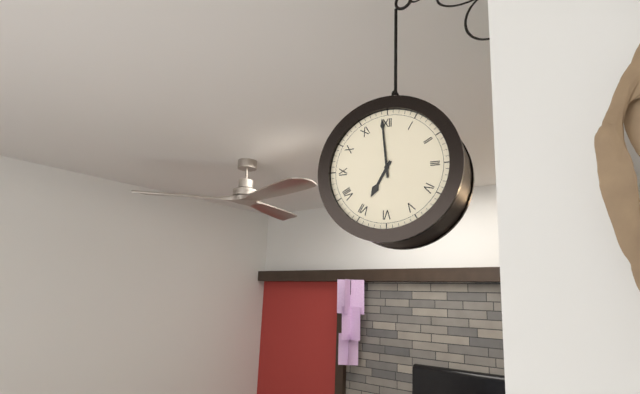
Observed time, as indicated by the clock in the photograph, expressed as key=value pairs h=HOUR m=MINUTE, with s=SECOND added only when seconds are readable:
h=6 m=59
